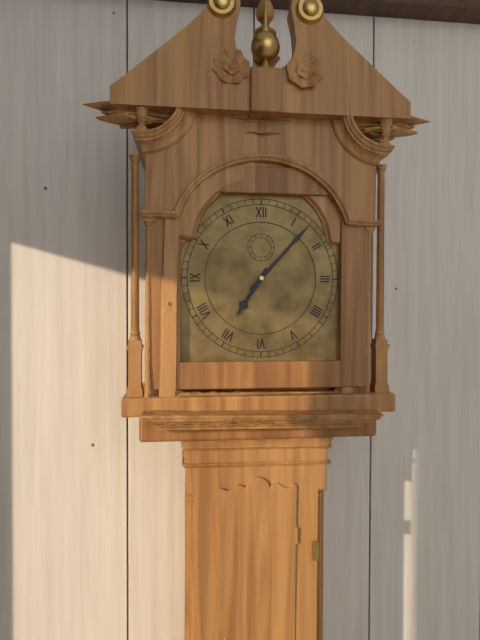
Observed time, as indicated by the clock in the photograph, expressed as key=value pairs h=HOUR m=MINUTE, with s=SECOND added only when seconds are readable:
h=7 m=7
